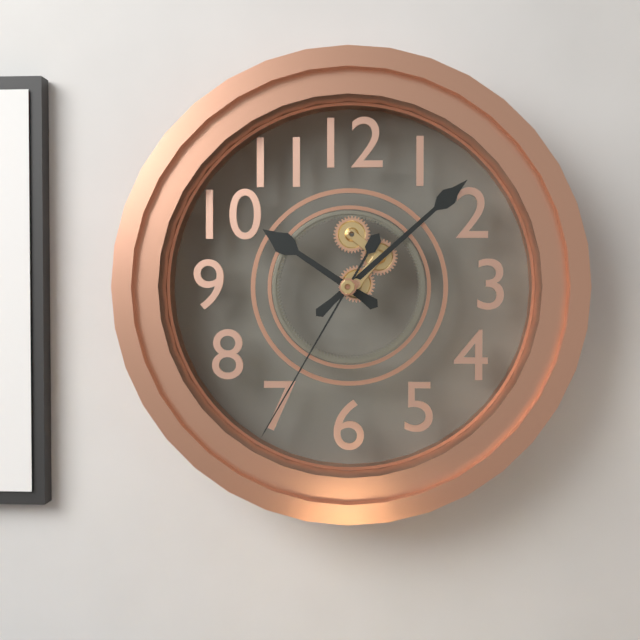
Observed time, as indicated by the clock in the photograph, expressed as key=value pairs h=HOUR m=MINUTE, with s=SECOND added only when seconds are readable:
h=10 m=8 s=35
